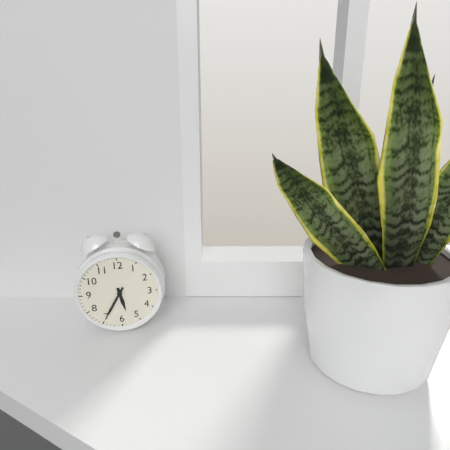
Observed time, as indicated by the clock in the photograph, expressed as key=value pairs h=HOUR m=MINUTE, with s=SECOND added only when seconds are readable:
h=5 m=35
